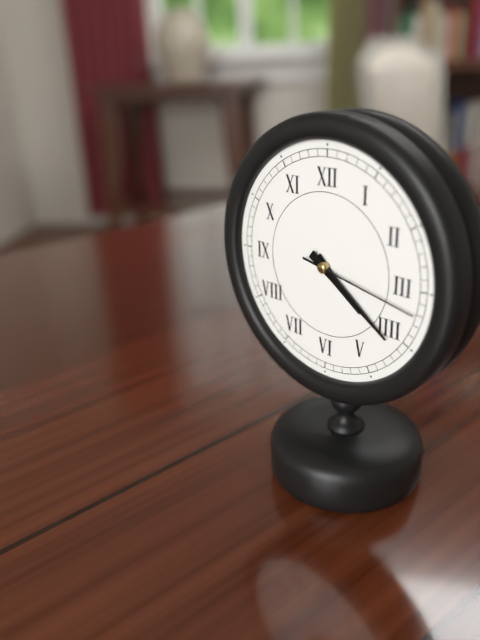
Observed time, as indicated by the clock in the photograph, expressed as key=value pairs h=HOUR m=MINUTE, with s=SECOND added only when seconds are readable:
h=4 m=21 s=17
